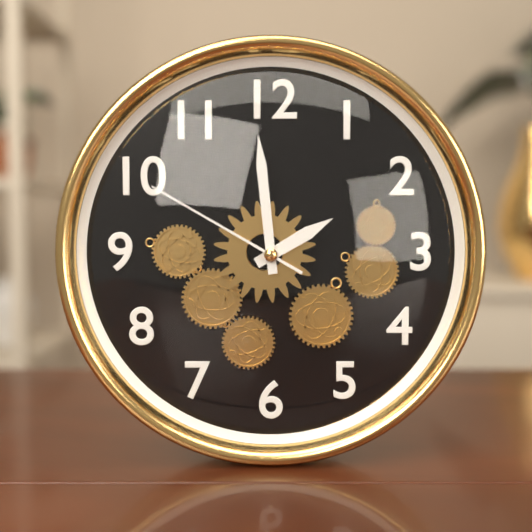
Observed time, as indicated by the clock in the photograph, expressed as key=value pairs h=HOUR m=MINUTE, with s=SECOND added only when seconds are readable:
h=1 m=59 s=50
